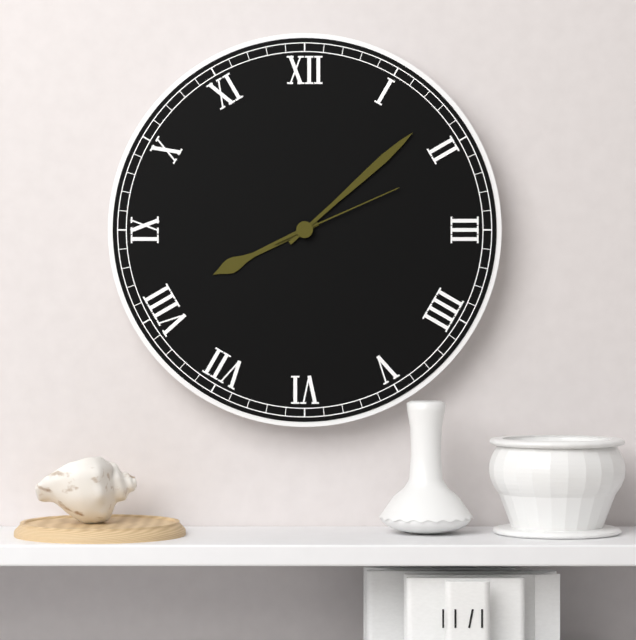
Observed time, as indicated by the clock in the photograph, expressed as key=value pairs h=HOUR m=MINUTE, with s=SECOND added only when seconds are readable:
h=8 m=8 s=11
